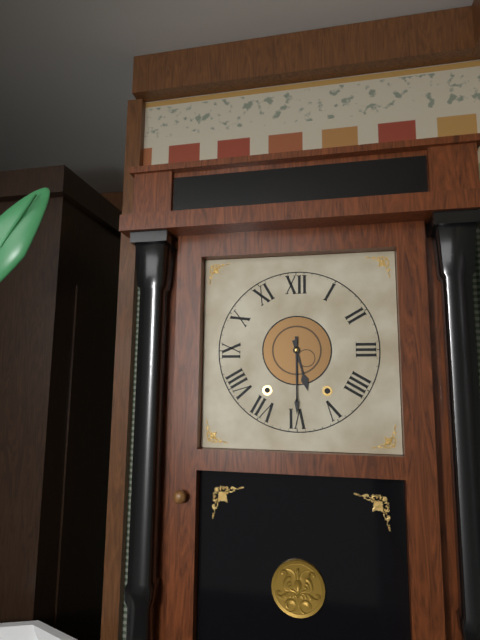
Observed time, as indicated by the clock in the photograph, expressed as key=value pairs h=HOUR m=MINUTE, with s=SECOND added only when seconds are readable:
h=5 m=30
